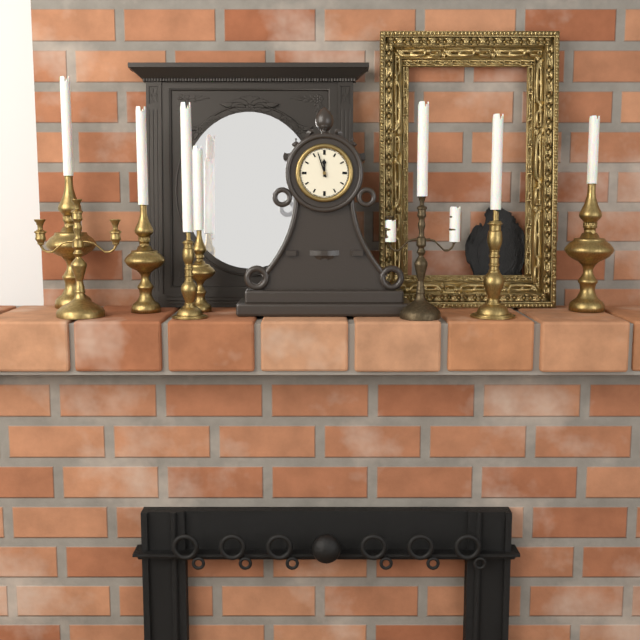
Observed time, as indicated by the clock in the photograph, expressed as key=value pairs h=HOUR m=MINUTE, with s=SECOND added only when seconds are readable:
h=11 m=57
